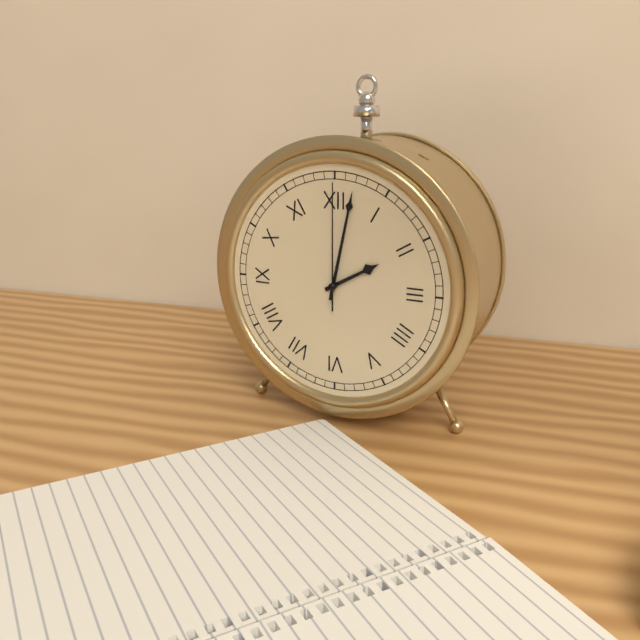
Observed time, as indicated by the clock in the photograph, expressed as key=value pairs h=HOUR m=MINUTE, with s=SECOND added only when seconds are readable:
h=2 m=2 s=0
